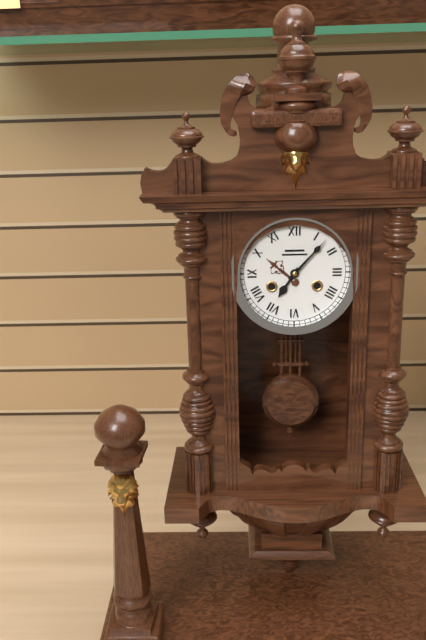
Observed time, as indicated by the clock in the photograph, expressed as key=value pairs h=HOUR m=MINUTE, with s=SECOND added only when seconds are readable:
h=7 m=7
